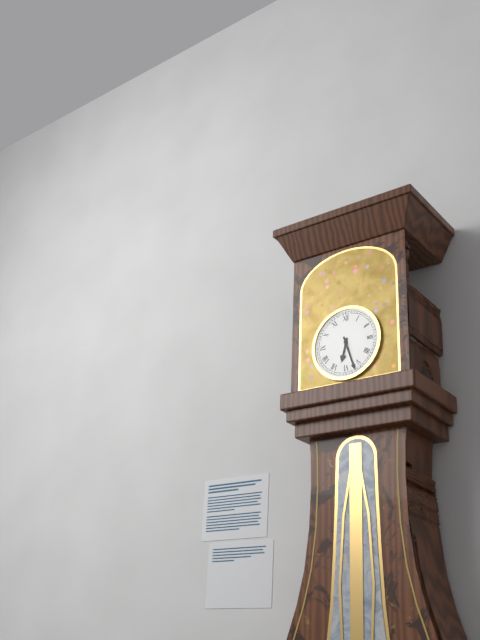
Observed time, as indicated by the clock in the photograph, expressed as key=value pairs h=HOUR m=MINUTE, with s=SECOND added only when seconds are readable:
h=6 m=27
